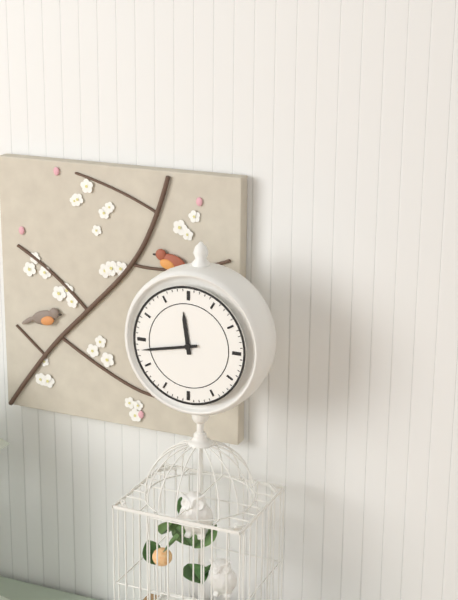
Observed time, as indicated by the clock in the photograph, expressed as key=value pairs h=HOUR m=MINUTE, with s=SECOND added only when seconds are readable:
h=11 m=43
